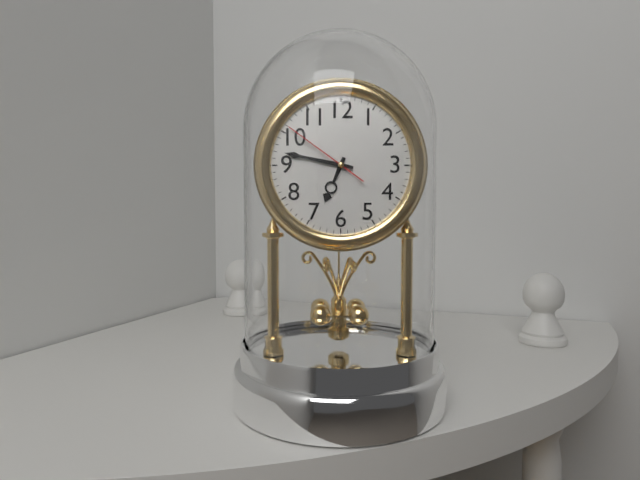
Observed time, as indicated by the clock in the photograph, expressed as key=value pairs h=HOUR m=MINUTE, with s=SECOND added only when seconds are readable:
h=6 m=47 s=51
